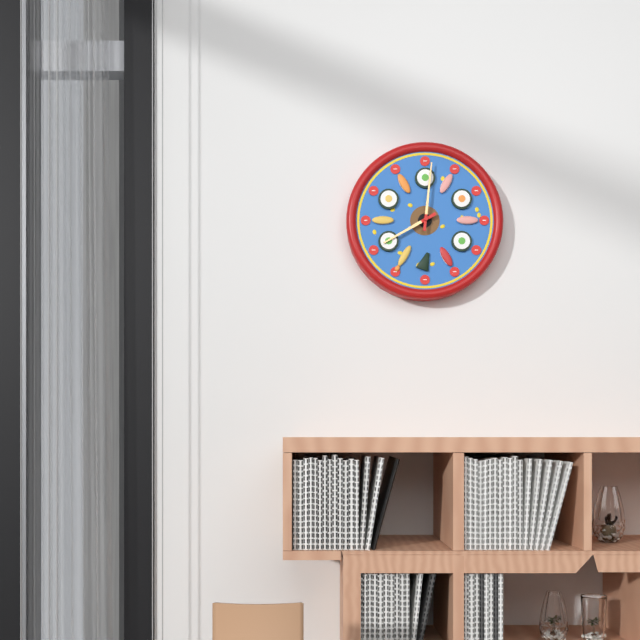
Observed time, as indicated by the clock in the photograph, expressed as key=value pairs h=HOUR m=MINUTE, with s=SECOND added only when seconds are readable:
h=8 m=1
